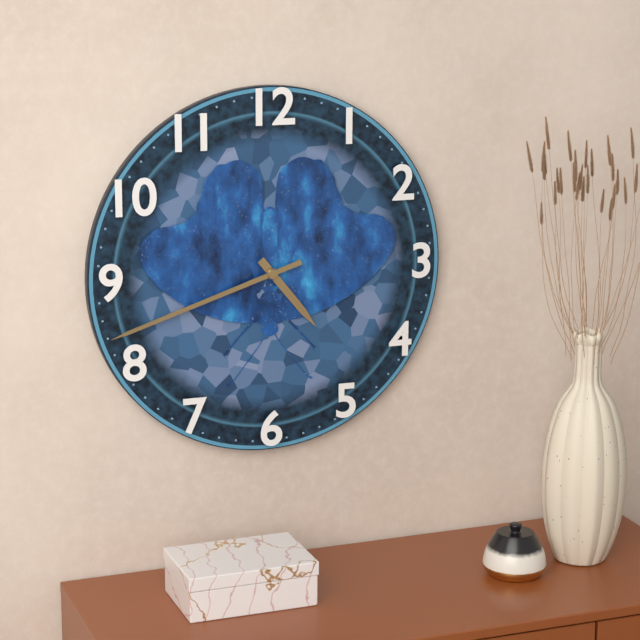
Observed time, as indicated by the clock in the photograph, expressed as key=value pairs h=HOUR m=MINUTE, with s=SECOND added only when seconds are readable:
h=4 m=42
